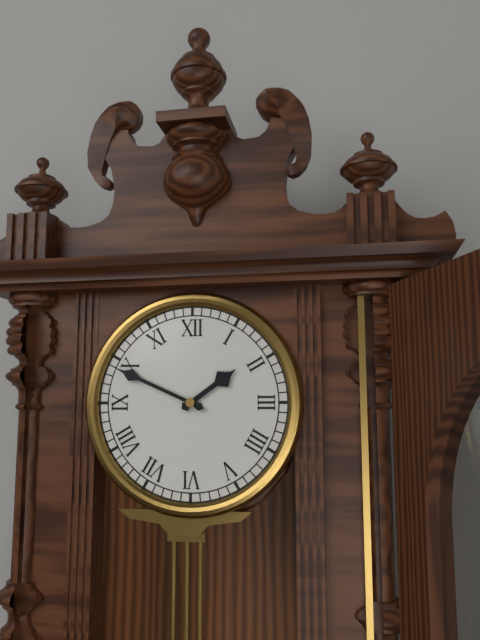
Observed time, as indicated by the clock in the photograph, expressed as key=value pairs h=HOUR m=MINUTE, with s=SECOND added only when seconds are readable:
h=1 m=49
